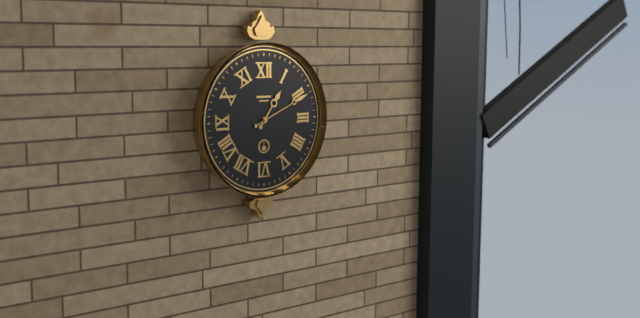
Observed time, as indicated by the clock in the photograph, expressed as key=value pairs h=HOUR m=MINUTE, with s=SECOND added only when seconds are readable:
h=1 m=11
